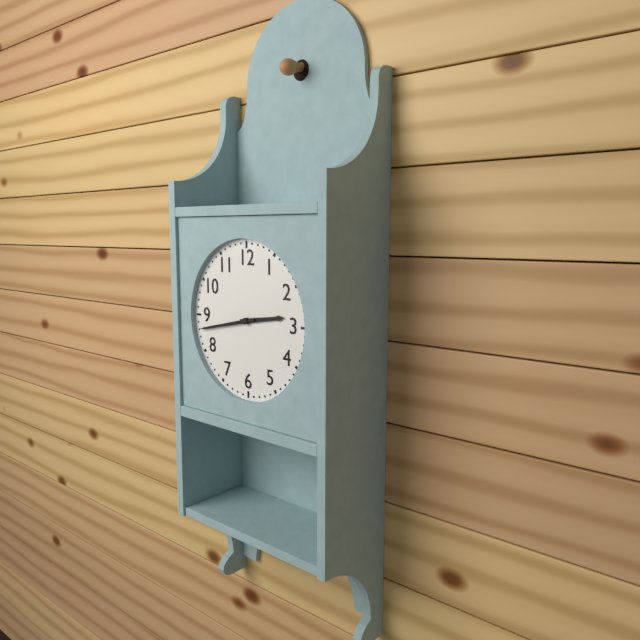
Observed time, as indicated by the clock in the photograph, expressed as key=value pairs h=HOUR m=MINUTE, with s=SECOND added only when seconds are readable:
h=2 m=43
